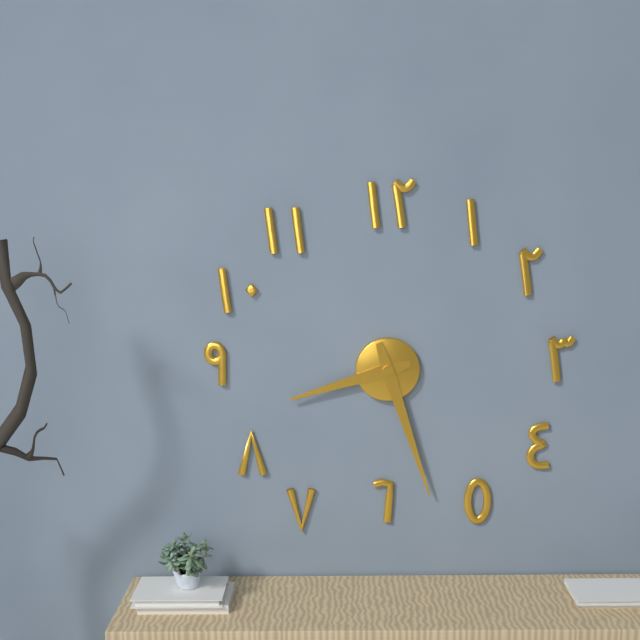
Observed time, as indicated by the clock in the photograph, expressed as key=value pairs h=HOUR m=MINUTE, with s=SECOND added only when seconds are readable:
h=8 m=27
